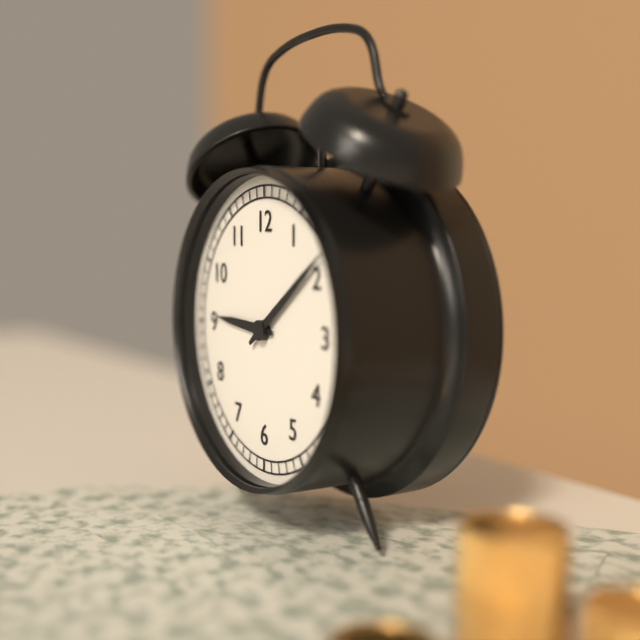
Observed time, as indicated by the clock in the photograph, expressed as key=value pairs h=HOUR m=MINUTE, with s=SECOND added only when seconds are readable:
h=9 m=9
